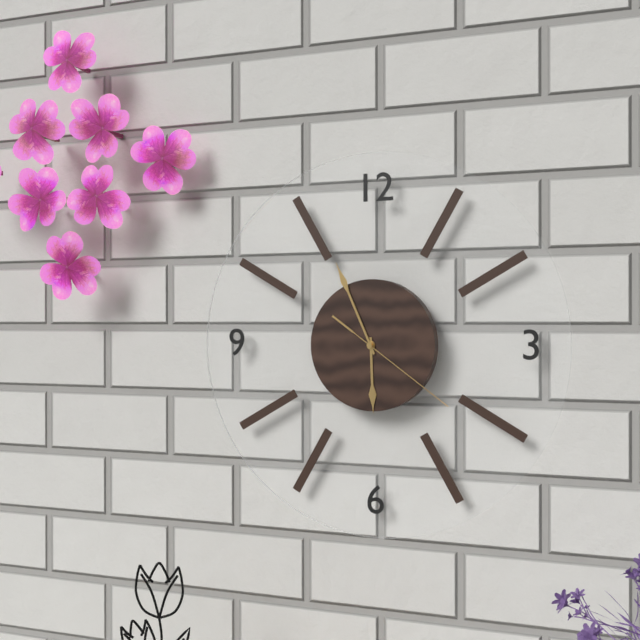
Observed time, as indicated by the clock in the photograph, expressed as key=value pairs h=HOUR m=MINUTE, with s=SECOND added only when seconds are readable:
h=5 m=56 s=21
